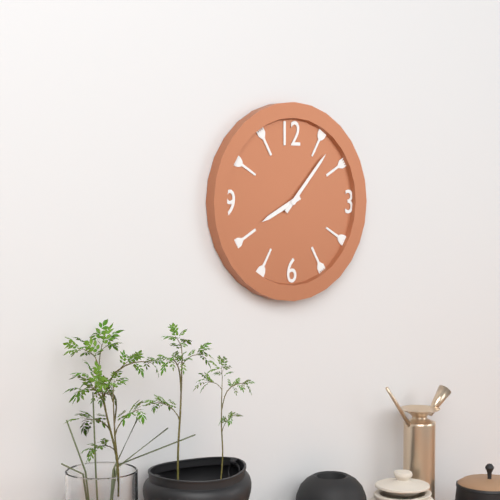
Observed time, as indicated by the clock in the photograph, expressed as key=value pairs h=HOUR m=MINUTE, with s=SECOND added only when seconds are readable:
h=8 m=7
